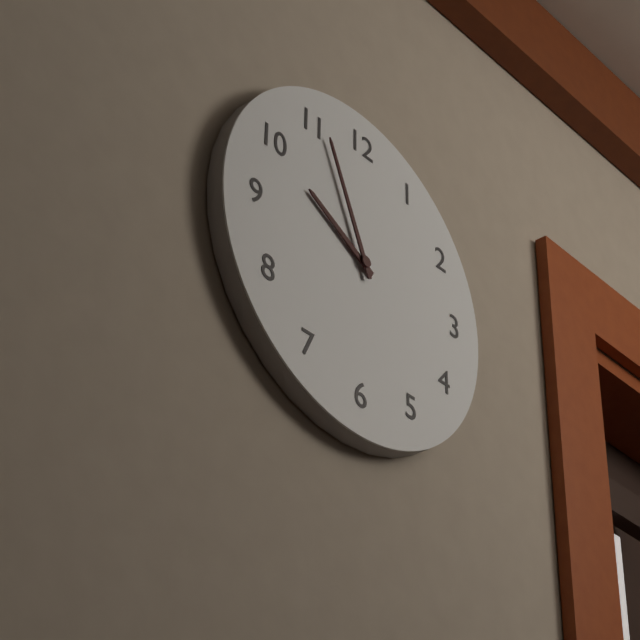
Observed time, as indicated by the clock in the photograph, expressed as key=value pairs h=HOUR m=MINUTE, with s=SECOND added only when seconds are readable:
h=9 m=56
